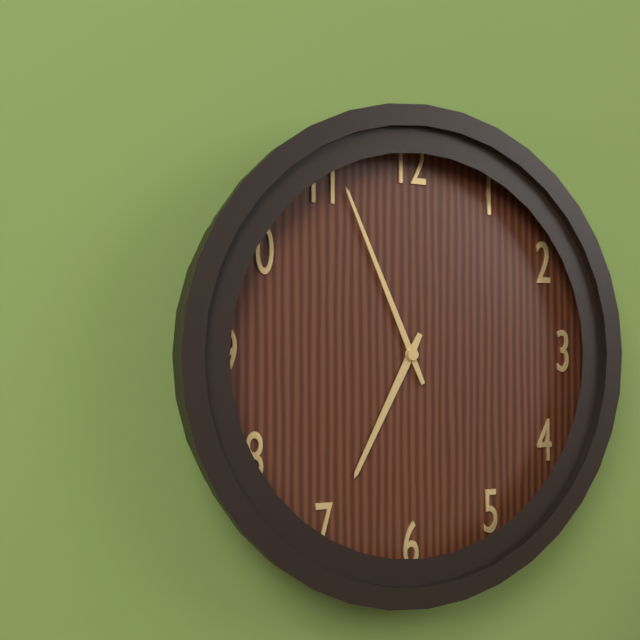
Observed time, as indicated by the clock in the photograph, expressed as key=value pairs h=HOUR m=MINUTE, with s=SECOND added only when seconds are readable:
h=6 m=56
